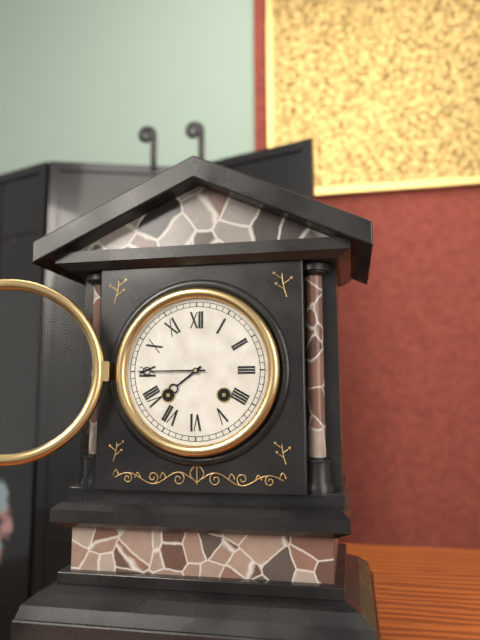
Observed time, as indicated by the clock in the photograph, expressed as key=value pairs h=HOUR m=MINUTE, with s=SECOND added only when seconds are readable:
h=7 m=45
